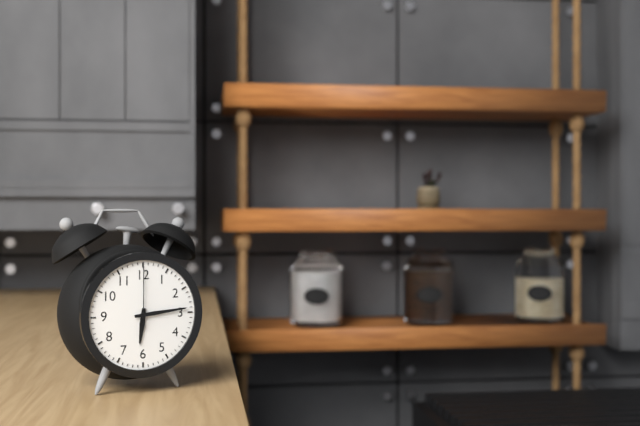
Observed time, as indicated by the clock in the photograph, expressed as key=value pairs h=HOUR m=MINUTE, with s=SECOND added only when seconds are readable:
h=6 m=14 s=0
